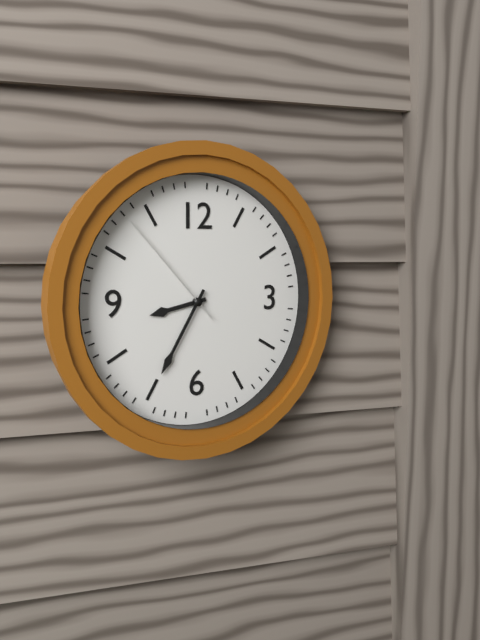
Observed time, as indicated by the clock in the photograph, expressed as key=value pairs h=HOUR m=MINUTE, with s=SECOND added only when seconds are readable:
h=8 m=35 s=53
